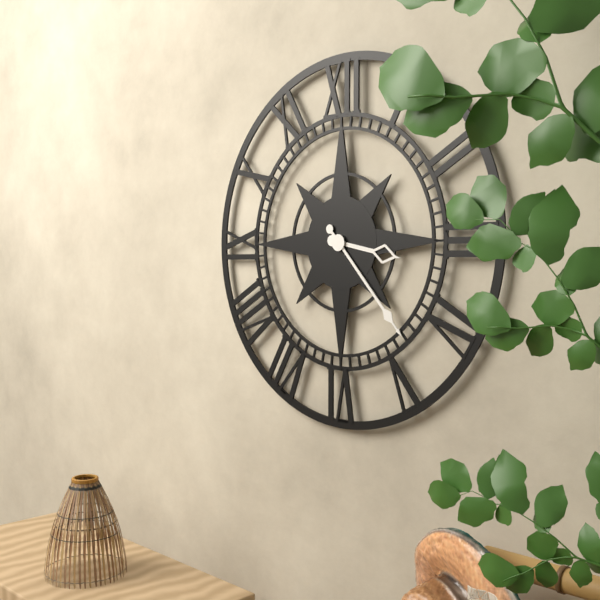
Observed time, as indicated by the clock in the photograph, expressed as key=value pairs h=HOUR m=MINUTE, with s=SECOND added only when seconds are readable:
h=3 m=23
